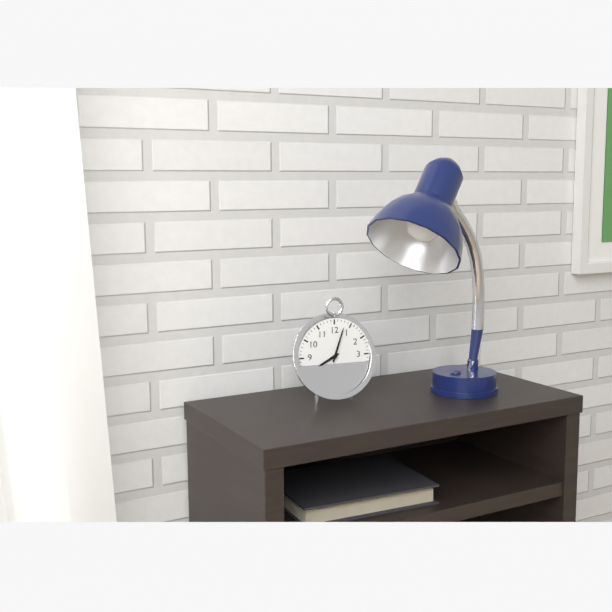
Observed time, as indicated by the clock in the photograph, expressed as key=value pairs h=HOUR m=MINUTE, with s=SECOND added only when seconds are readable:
h=8 m=3
